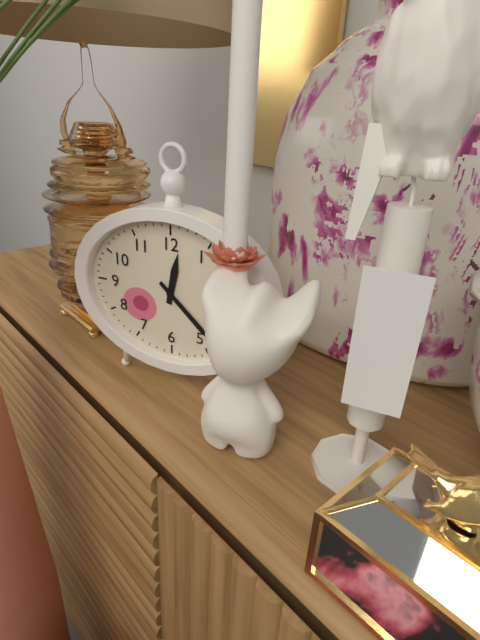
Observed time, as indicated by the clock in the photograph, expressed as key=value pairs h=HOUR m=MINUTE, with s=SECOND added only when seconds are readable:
h=12 m=22
